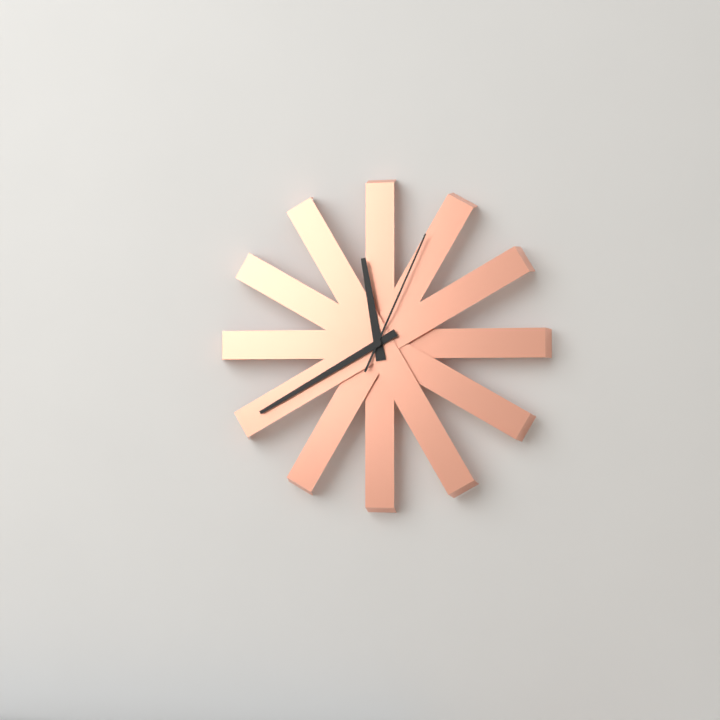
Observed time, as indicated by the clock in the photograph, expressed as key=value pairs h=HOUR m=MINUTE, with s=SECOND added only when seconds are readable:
h=11 m=40 s=4
